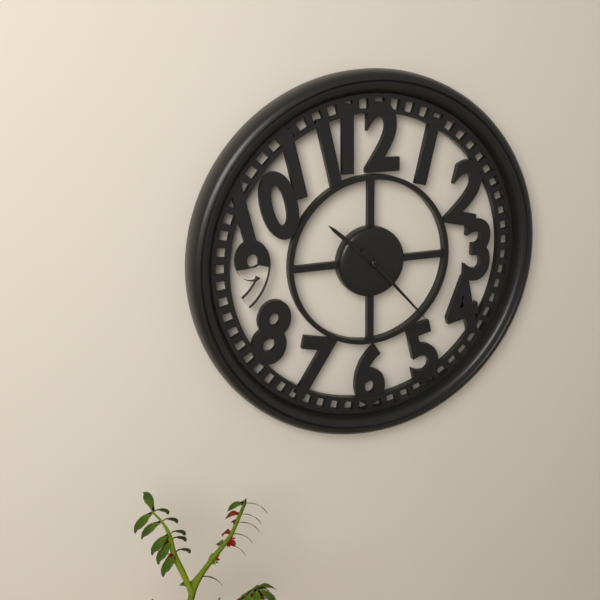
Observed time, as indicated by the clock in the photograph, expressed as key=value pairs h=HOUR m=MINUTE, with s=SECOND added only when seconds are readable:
h=10 m=23
